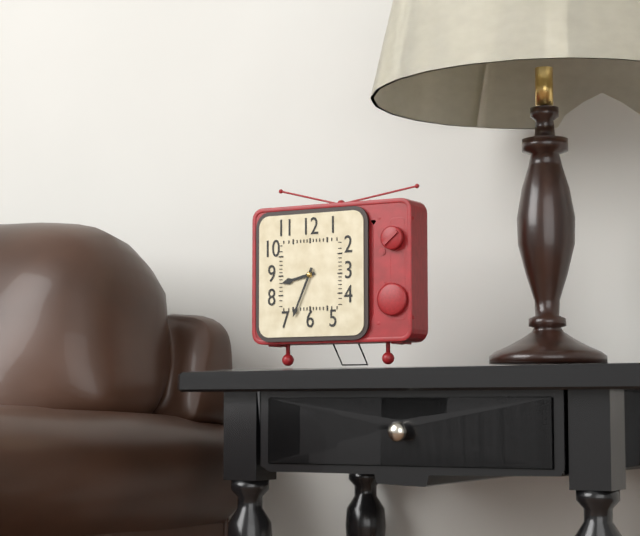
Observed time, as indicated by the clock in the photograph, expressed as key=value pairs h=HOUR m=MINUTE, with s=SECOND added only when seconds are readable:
h=8 m=34
